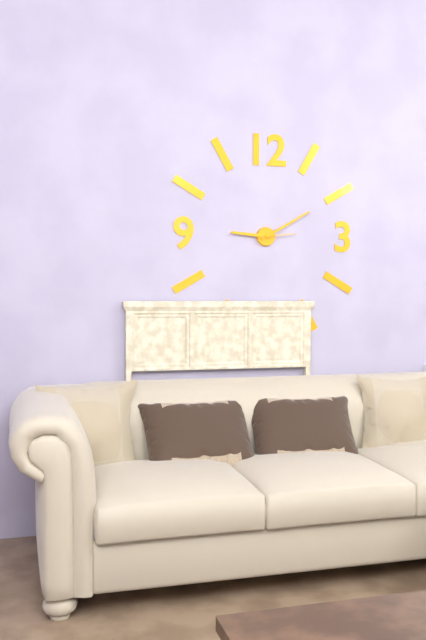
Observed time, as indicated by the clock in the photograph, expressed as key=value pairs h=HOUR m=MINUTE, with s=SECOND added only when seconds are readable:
h=9 m=10
